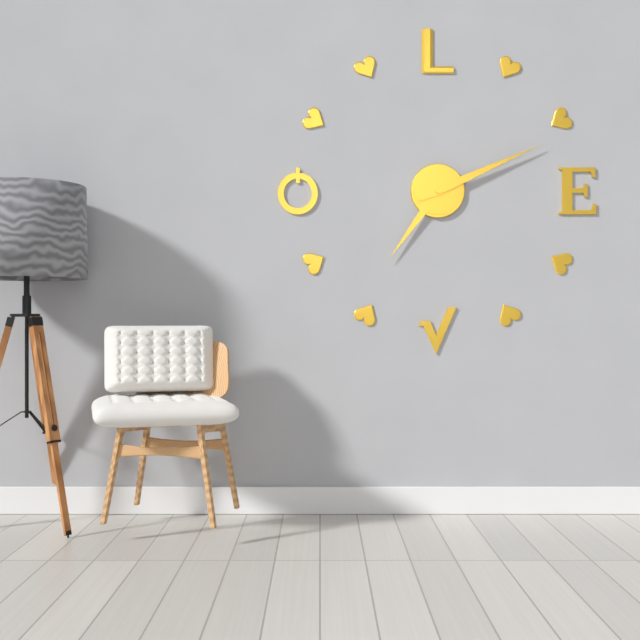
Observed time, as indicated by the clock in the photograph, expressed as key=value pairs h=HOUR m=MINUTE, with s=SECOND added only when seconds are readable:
h=7 m=11
